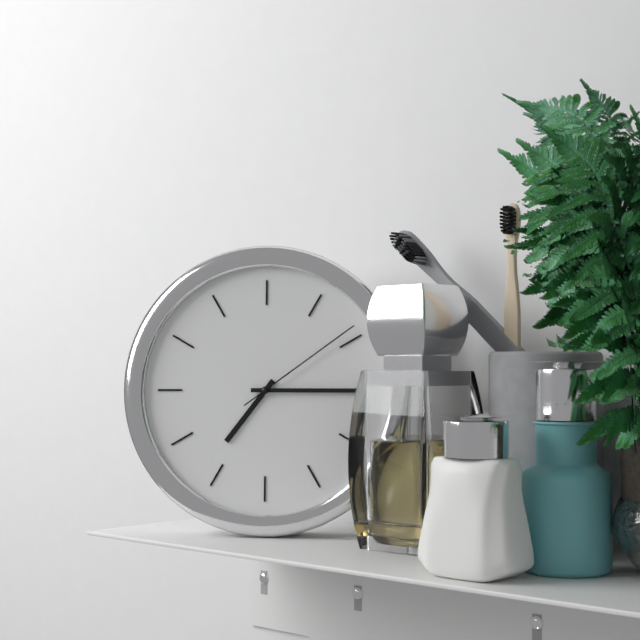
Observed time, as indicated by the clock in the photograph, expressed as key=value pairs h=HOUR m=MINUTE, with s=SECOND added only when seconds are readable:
h=7 m=15 s=9
